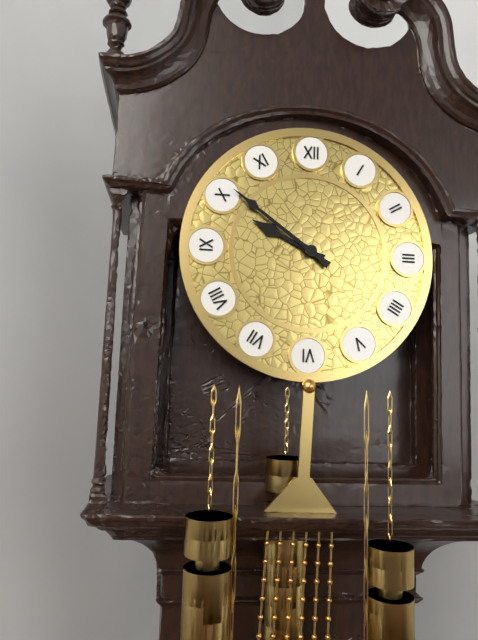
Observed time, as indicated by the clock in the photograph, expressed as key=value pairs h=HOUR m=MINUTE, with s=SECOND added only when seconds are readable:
h=9 m=51
